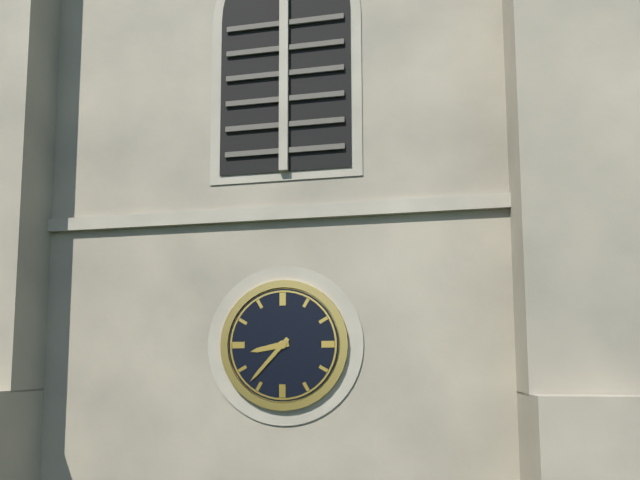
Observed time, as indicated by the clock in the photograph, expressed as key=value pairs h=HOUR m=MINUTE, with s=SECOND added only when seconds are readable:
h=8 m=37
